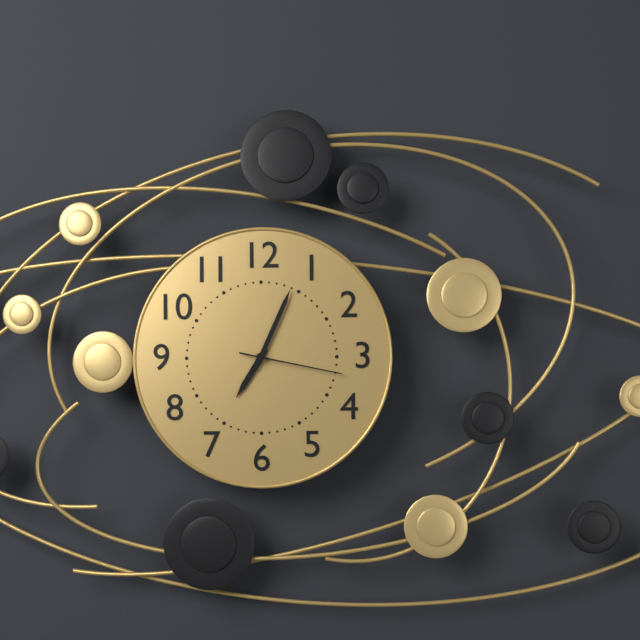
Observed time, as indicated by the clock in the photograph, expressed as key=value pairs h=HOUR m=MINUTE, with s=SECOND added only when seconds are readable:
h=7 m=4 s=17
